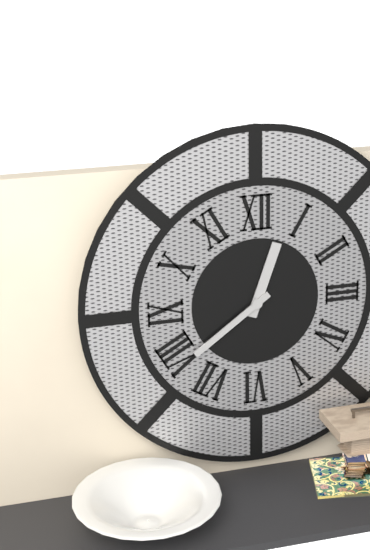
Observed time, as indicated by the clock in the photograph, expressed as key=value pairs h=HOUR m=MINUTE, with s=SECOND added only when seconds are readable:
h=12 m=39
